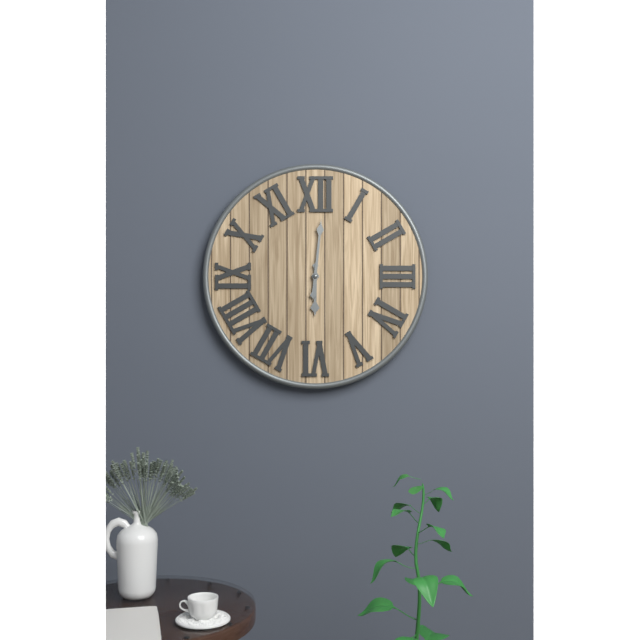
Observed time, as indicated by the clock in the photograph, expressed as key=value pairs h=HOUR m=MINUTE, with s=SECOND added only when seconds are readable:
h=6 m=1
